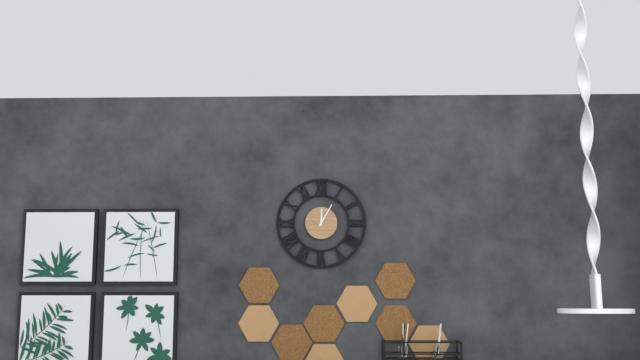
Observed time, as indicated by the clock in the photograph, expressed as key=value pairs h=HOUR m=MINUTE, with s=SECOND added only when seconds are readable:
h=12 m=5
